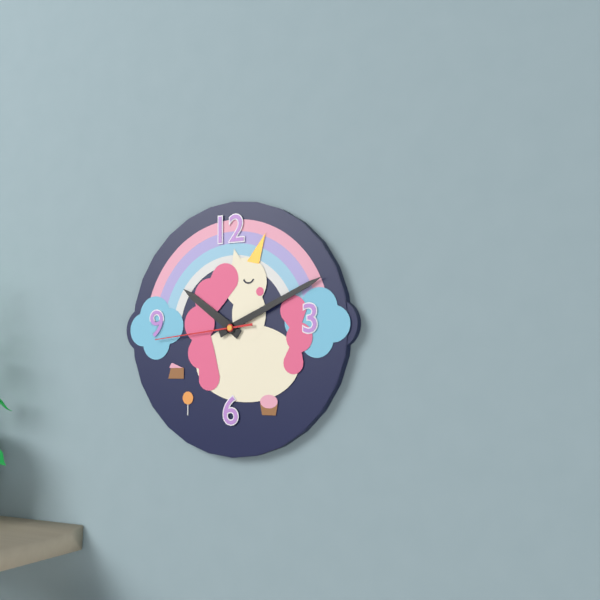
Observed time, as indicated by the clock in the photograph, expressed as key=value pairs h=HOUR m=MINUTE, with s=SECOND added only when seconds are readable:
h=10 m=11 s=44
